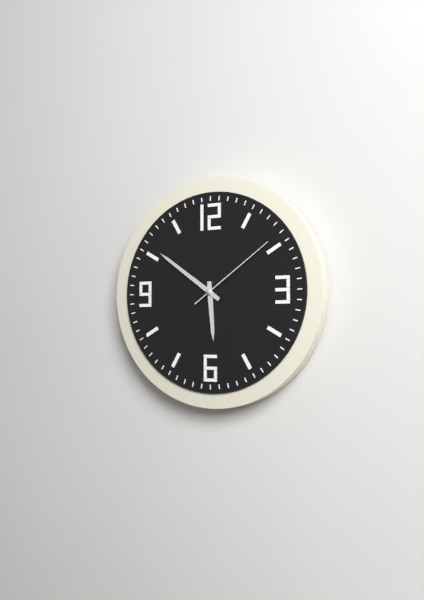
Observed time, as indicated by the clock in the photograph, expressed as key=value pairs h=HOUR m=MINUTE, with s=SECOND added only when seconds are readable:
h=5 m=51 s=9
